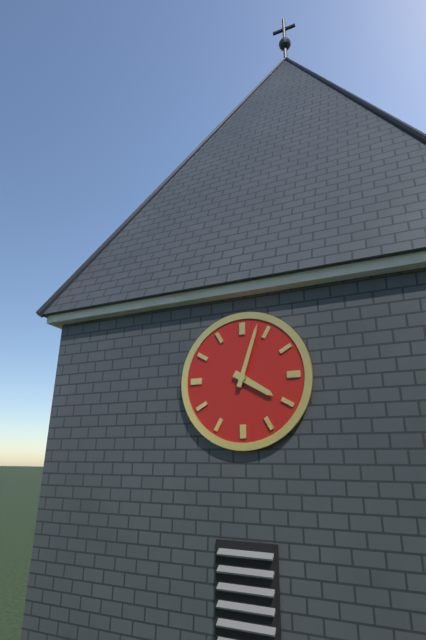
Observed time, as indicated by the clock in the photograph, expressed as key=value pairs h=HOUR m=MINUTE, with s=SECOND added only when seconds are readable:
h=4 m=3
